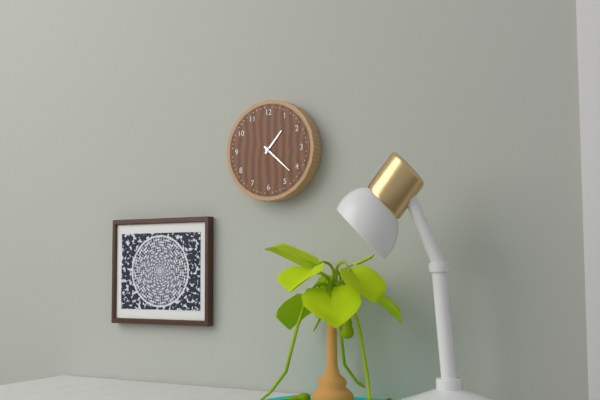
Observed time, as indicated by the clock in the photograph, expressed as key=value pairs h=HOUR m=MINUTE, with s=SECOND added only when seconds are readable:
h=1 m=22
